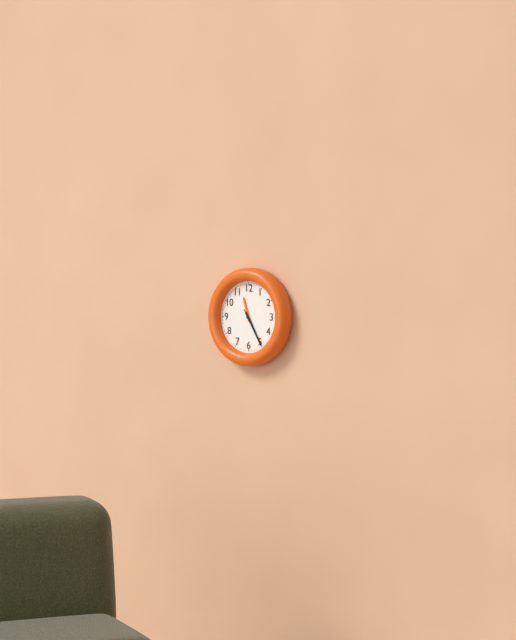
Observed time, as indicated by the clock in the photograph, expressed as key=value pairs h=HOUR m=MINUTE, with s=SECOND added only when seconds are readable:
h=11 m=25
